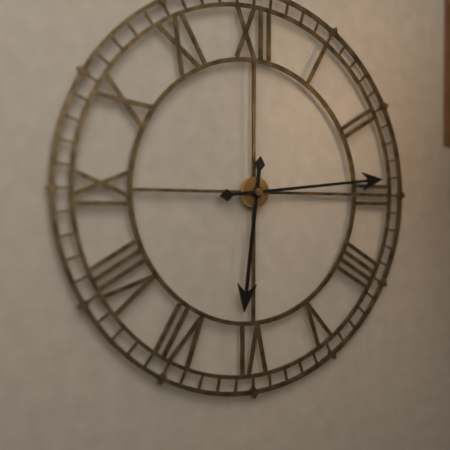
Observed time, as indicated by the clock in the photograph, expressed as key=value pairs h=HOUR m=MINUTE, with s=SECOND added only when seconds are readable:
h=6 m=14
